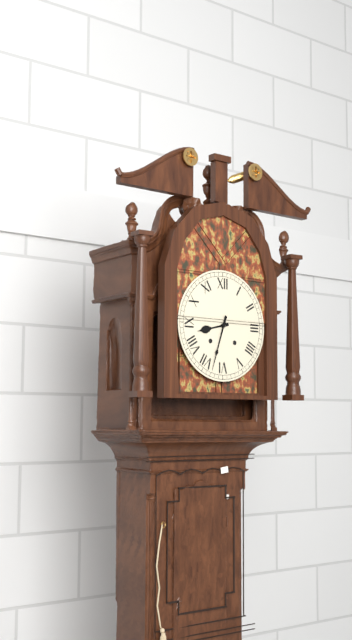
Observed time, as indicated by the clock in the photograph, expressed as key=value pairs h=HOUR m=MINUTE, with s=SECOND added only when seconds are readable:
h=8 m=33
